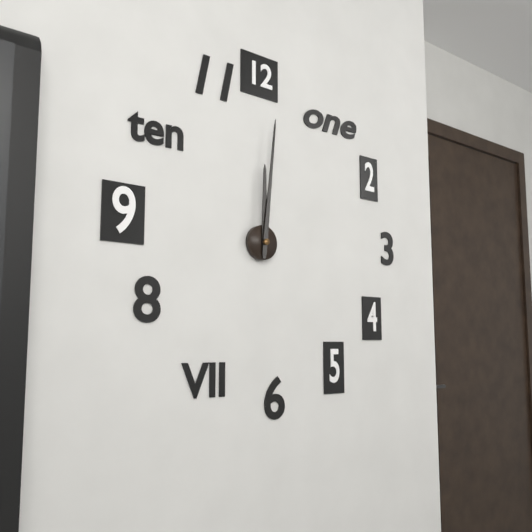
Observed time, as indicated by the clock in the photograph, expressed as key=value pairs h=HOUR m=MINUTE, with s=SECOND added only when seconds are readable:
h=12 m=1
